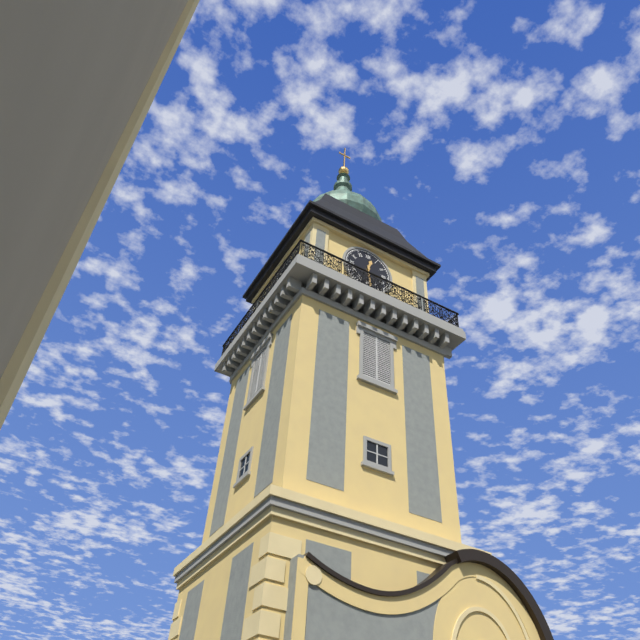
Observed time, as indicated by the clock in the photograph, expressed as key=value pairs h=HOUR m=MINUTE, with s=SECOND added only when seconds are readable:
h=12 m=29
